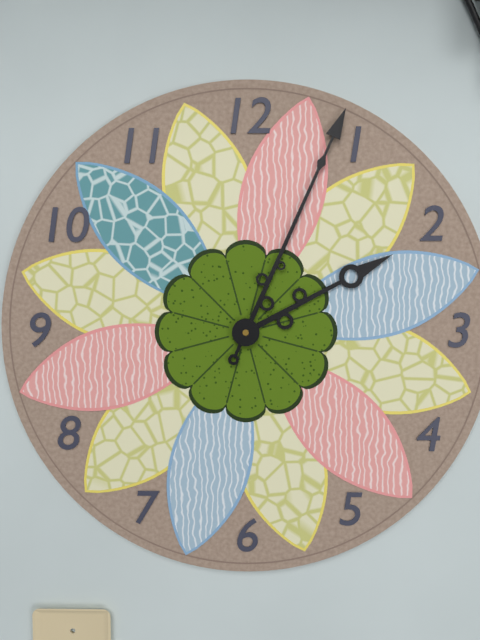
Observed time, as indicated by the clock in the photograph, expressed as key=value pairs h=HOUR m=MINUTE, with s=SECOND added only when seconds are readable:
h=2 m=4
